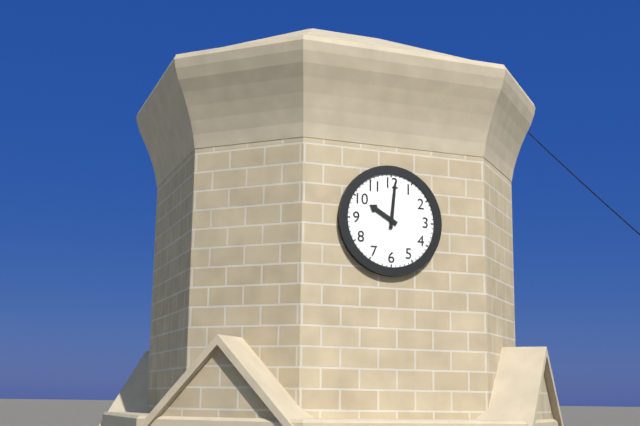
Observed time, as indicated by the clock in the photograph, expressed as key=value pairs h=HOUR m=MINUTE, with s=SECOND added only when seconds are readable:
h=10 m=1
